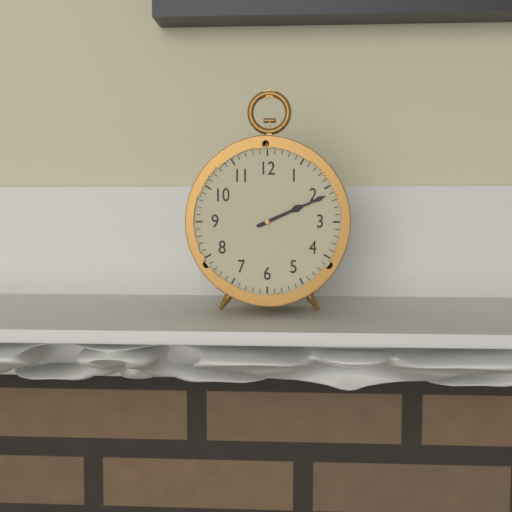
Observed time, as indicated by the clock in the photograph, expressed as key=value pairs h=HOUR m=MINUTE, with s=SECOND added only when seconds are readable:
h=2 m=11
